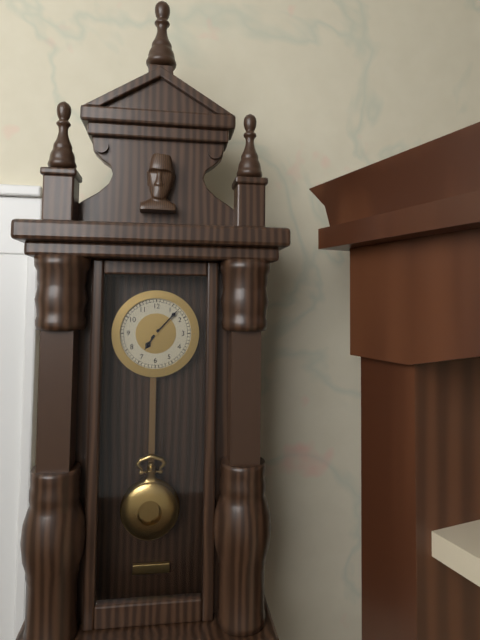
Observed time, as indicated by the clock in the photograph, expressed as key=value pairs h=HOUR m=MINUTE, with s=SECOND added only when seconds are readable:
h=7 m=7
